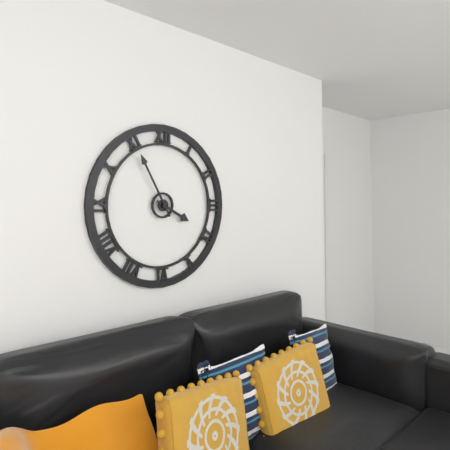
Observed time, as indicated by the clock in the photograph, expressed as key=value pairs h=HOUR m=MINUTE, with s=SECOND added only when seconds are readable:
h=3 m=55
